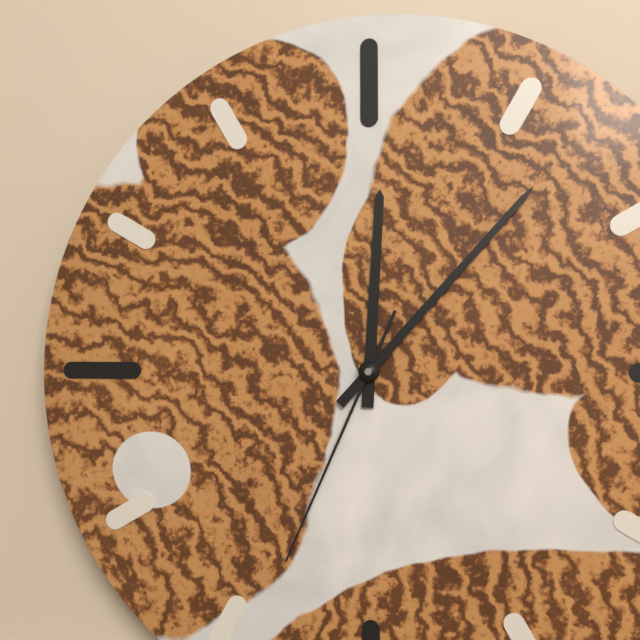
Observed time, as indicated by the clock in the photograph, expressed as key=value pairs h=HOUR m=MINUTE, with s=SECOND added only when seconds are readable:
h=12 m=7 s=34
